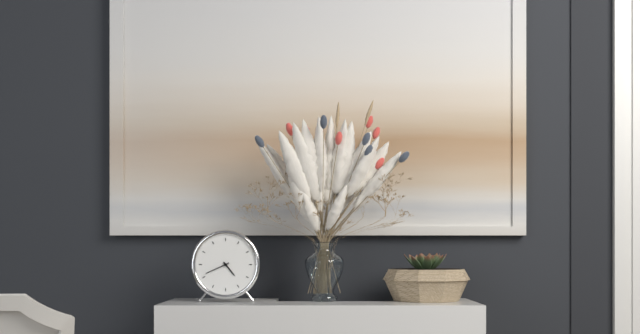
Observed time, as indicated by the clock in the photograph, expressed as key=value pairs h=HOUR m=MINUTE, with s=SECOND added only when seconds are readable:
h=4 m=41
